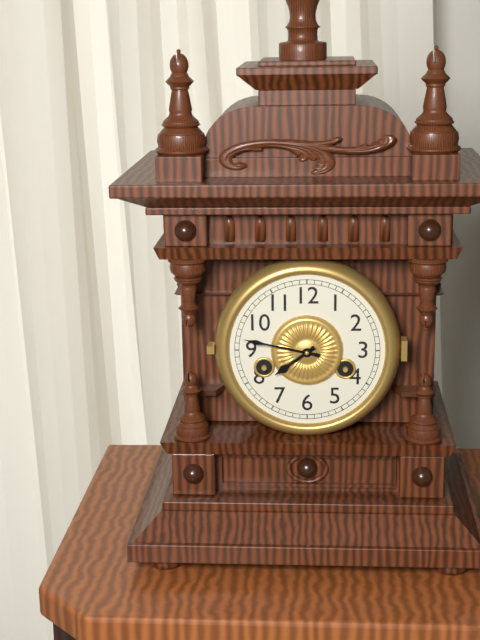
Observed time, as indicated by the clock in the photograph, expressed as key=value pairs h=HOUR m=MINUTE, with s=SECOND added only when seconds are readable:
h=7 m=47
